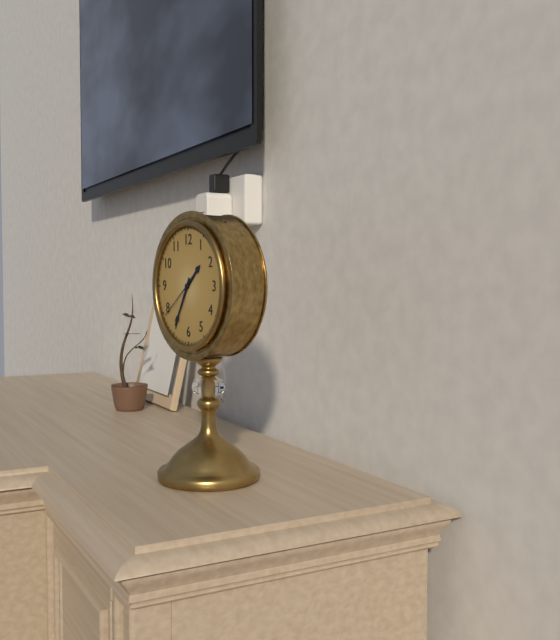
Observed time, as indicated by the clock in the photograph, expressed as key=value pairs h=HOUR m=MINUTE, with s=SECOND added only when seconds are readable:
h=1 m=35 s=39
